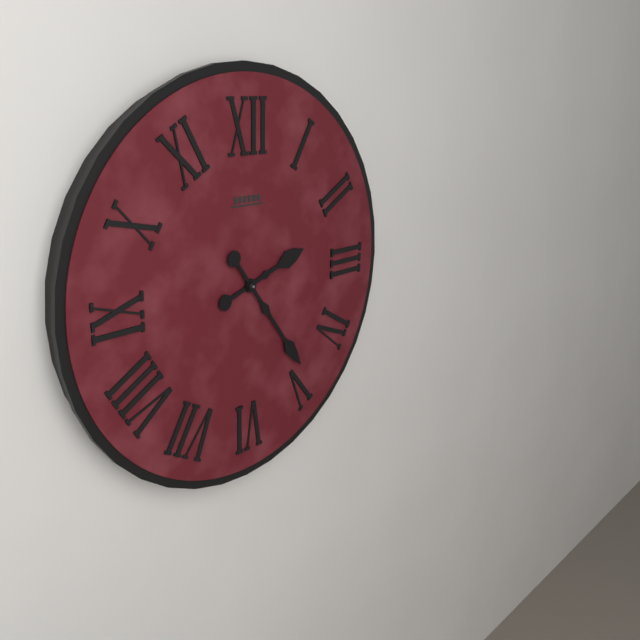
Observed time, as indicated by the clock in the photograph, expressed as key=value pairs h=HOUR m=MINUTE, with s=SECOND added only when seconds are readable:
h=2 m=24
